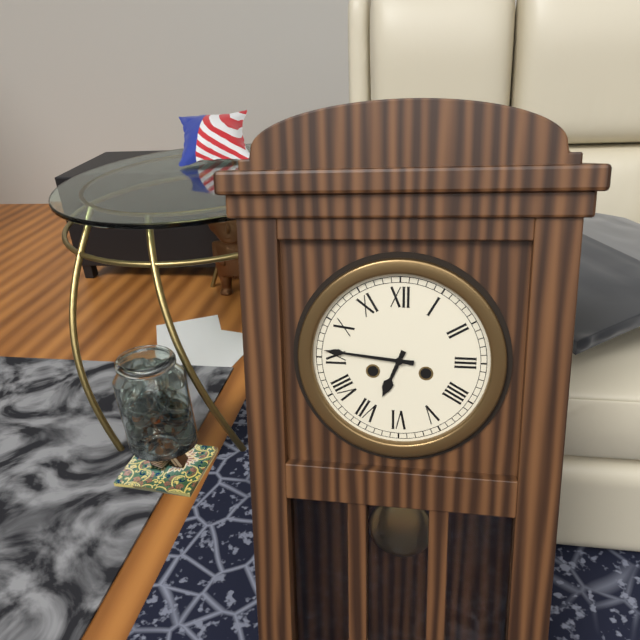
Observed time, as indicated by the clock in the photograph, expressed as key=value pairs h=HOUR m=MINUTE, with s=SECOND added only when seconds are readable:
h=6 m=46
